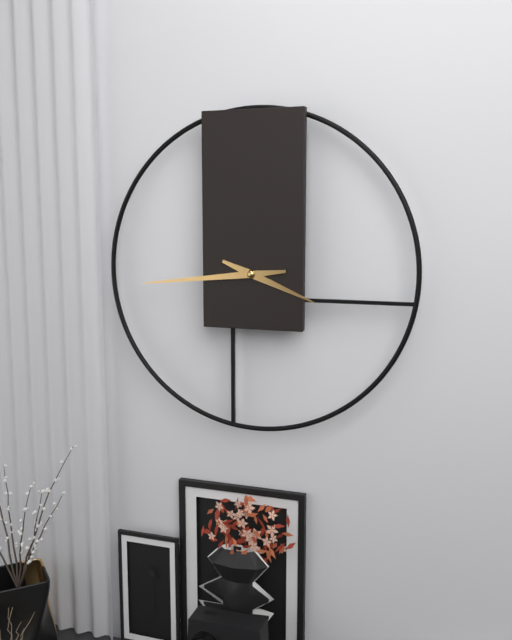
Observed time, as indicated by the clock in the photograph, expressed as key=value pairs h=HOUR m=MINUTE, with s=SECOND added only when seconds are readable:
h=3 m=44
